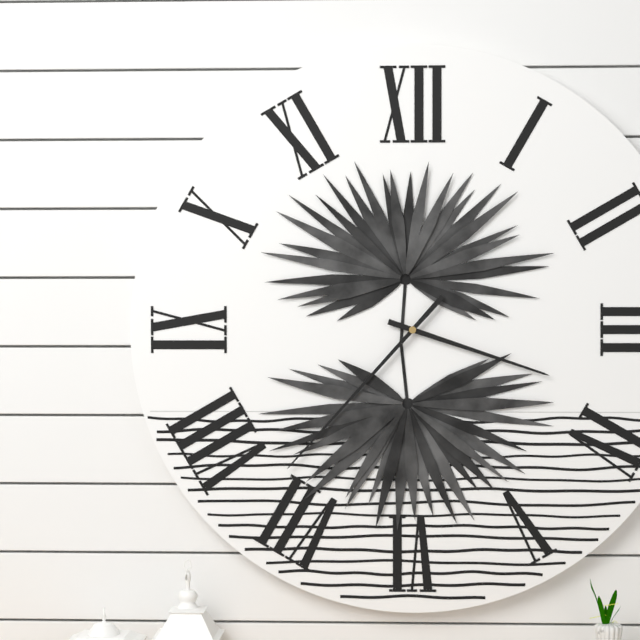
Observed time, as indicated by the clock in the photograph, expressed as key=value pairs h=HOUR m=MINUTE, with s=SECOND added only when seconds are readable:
h=3 m=37
